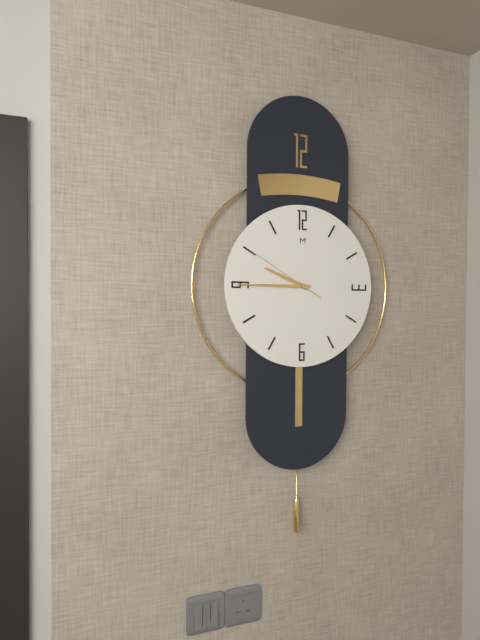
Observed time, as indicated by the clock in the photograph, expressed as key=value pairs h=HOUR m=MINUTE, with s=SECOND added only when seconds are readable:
h=9 m=45 s=50
